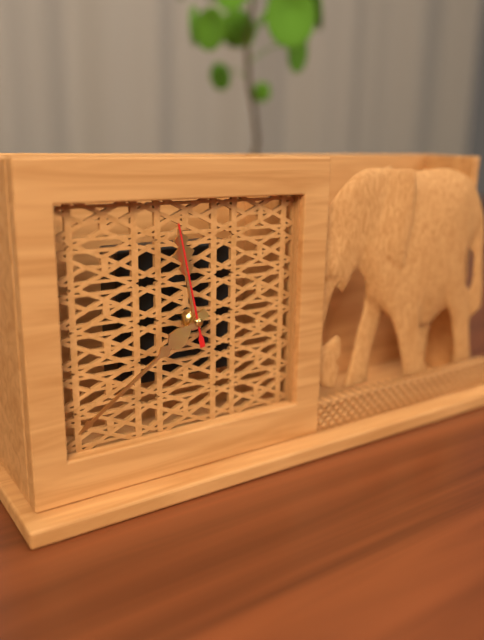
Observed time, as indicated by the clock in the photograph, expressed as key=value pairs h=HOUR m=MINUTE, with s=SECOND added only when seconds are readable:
h=11 m=39 s=58
